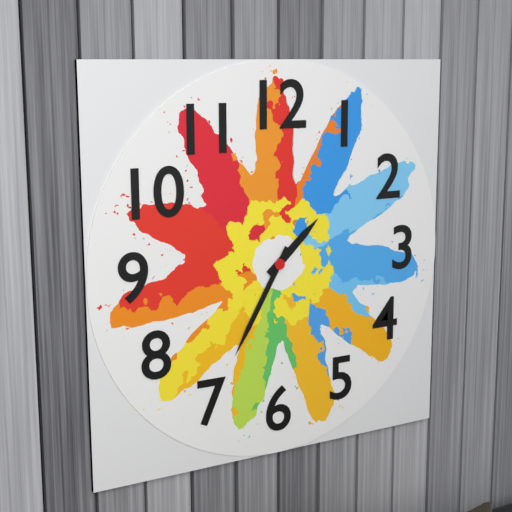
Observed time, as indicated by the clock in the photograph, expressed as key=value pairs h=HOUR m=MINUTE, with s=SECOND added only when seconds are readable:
h=1 m=35
